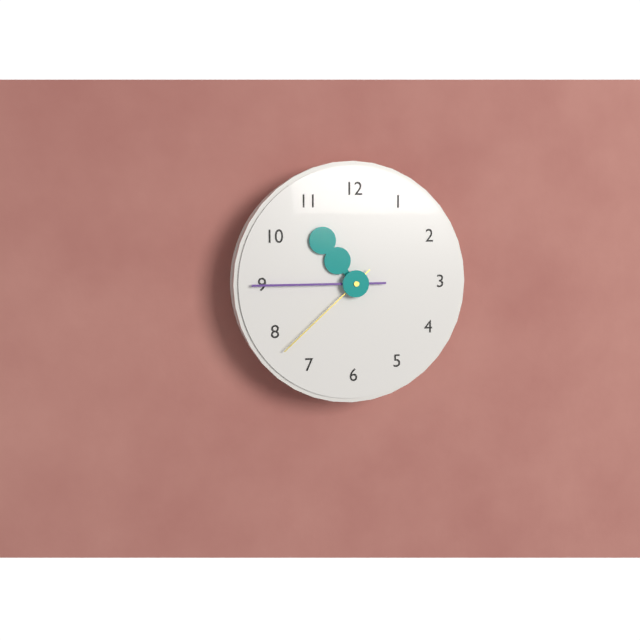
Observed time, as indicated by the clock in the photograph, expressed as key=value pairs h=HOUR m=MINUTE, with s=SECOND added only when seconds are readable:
h=10 m=45 s=38
